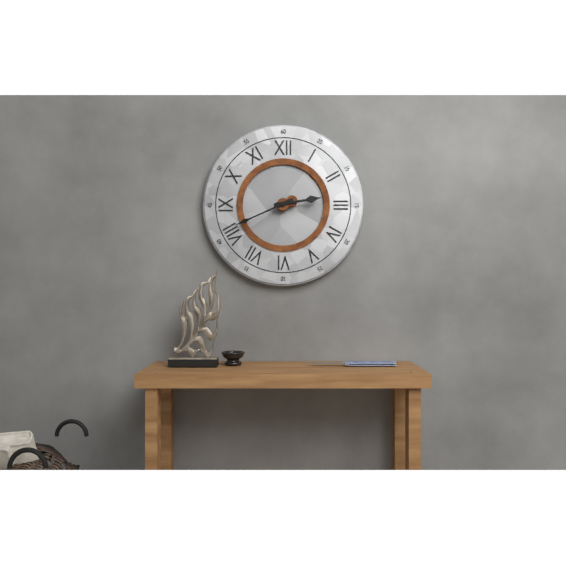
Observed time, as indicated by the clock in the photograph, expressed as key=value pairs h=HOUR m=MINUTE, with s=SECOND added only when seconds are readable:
h=2 m=41
